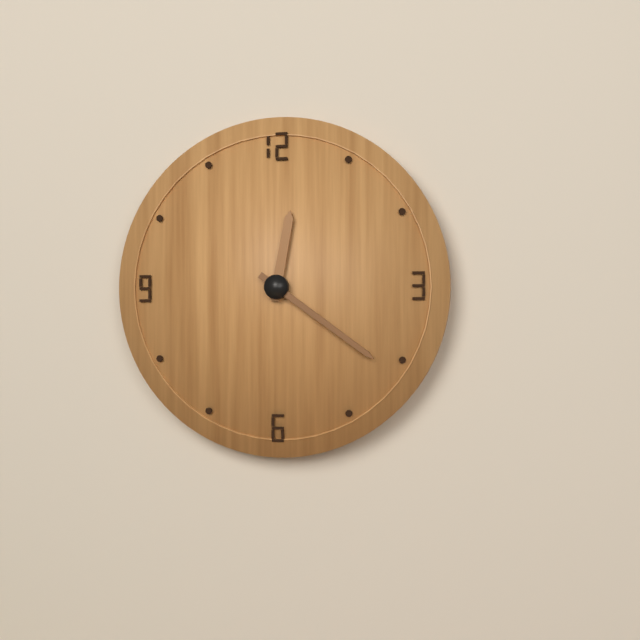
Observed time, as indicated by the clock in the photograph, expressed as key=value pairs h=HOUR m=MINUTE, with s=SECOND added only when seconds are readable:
h=12 m=21
